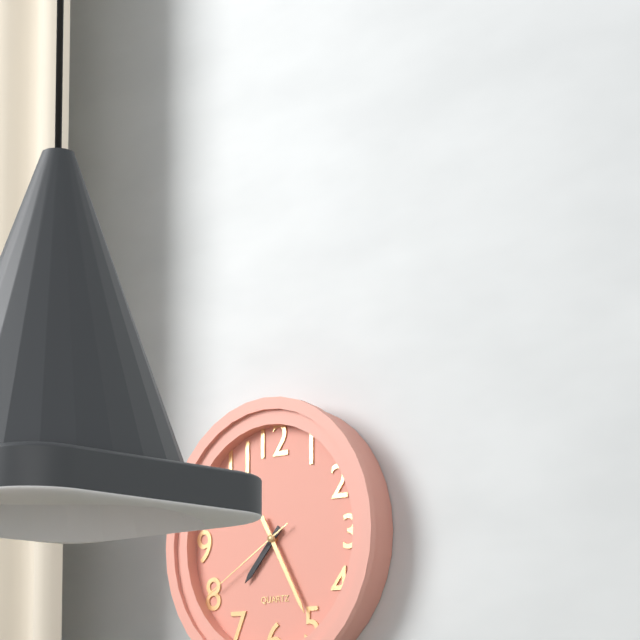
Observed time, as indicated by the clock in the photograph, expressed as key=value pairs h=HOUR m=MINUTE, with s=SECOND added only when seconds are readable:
h=7 m=25 s=40
